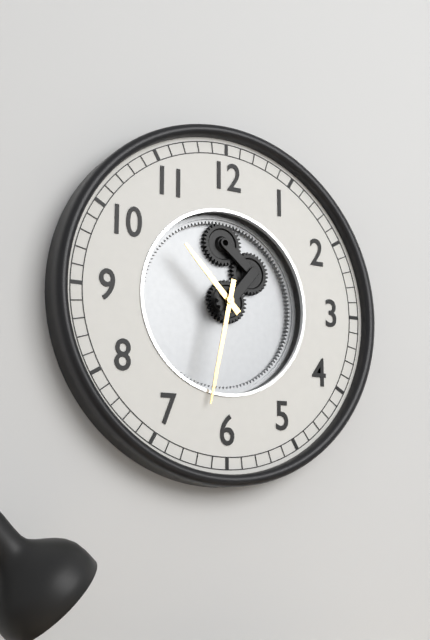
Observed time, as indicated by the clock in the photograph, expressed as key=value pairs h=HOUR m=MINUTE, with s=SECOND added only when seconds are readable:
h=10 m=32
